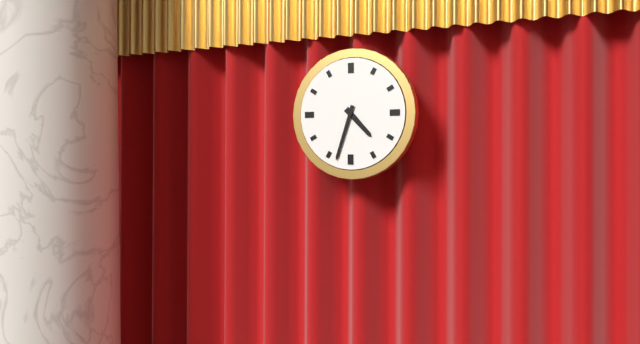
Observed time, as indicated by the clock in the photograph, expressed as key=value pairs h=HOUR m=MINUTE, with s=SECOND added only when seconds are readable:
h=4 m=33
